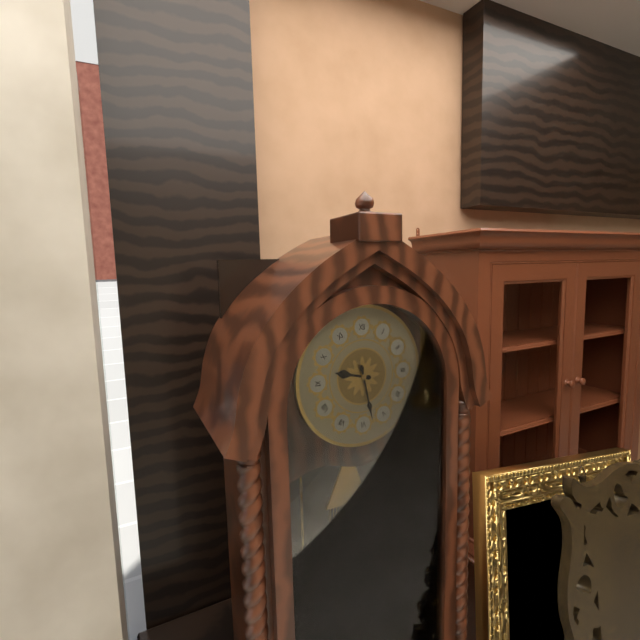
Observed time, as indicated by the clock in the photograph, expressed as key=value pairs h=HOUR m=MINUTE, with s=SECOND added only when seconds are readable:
h=9 m=28
